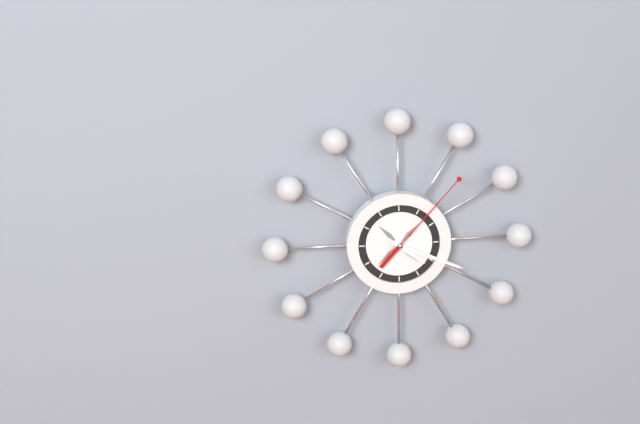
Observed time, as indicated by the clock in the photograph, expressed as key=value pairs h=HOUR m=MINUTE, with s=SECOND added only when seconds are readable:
h=4 m=19 s=7
